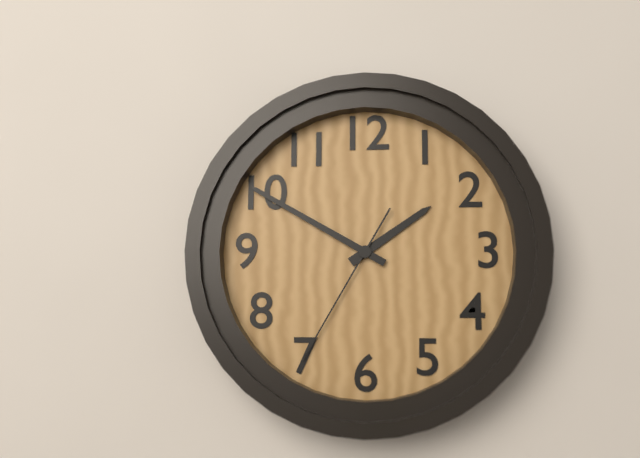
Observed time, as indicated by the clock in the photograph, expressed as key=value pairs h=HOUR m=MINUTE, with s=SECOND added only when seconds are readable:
h=1 m=50 s=35
